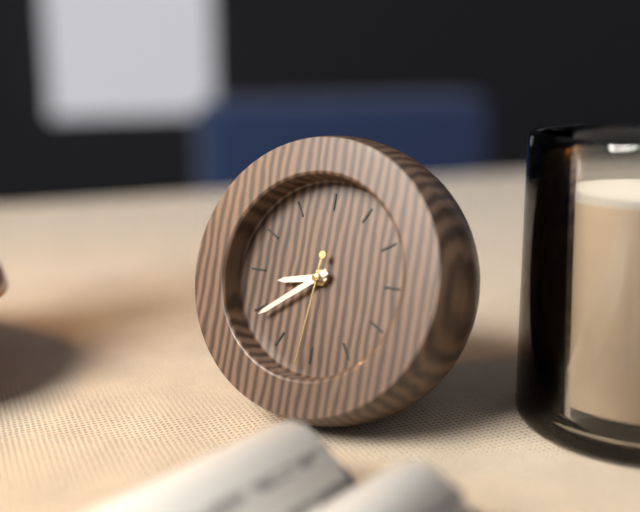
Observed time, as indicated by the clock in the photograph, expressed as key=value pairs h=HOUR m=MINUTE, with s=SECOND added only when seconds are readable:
h=8 m=39 s=31
